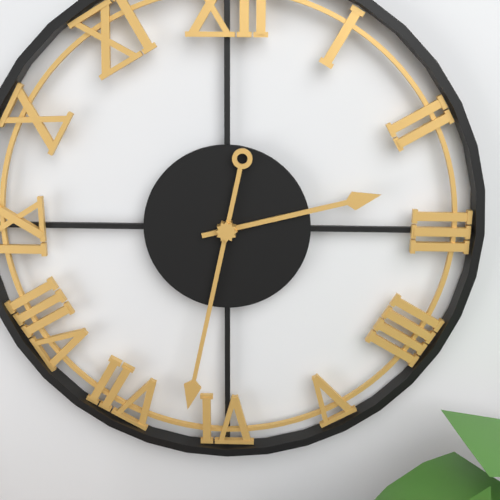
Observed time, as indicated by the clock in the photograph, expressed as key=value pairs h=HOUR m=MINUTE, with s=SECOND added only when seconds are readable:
h=2 m=32
